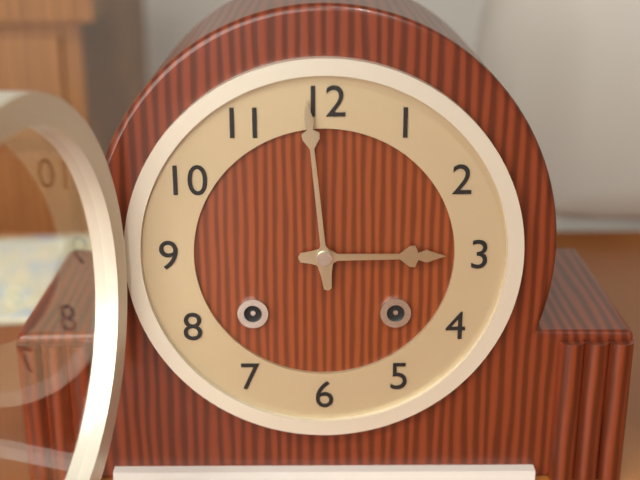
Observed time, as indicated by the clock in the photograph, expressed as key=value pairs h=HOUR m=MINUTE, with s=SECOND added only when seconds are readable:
h=2 m=59
